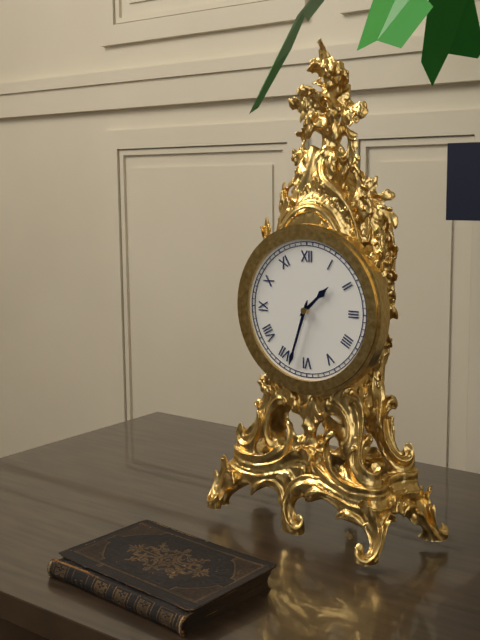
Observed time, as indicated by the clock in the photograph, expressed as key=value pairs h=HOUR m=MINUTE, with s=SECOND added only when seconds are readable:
h=1 m=33
